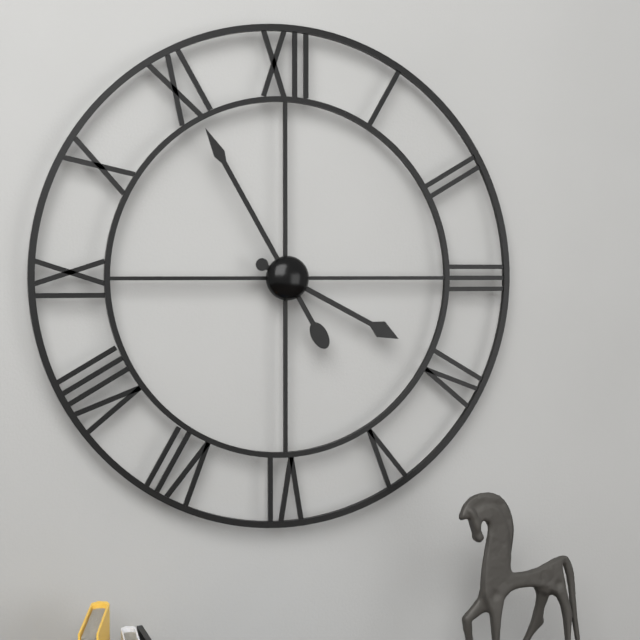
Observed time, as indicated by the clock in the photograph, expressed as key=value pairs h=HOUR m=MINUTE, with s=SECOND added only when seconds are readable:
h=3 m=55
